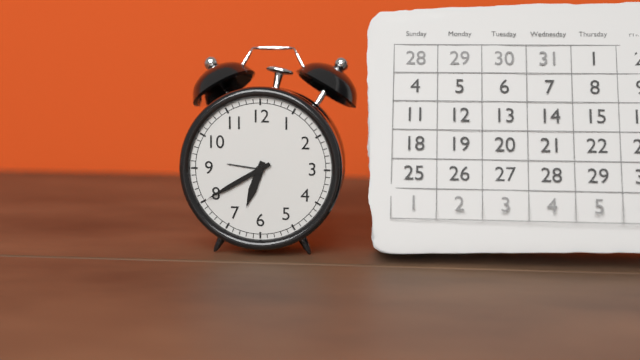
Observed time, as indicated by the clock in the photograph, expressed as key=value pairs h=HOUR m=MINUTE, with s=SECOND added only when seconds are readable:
h=6 m=40
